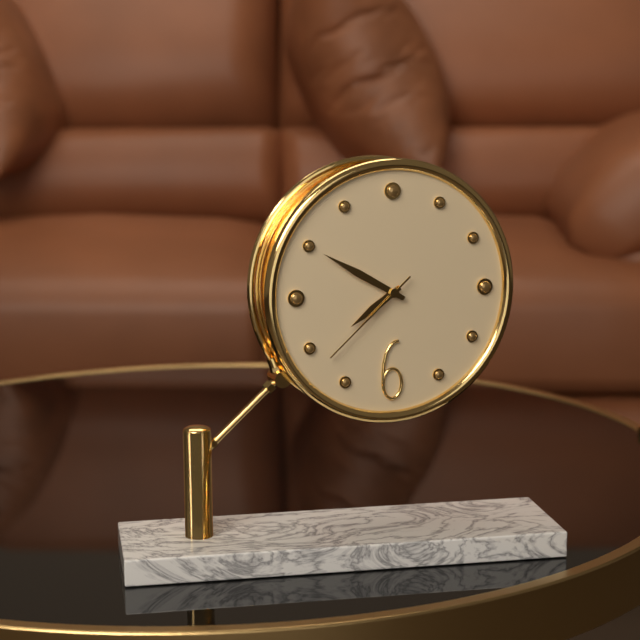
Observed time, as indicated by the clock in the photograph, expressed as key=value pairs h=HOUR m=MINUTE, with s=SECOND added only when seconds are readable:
h=7 m=50 s=38
